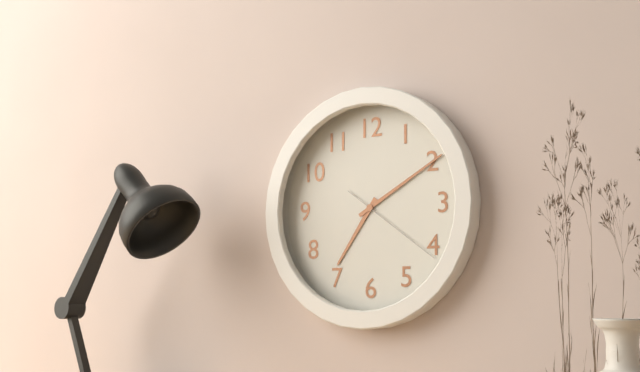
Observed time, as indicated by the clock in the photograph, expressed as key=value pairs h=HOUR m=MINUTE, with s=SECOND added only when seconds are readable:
h=7 m=10 s=21
